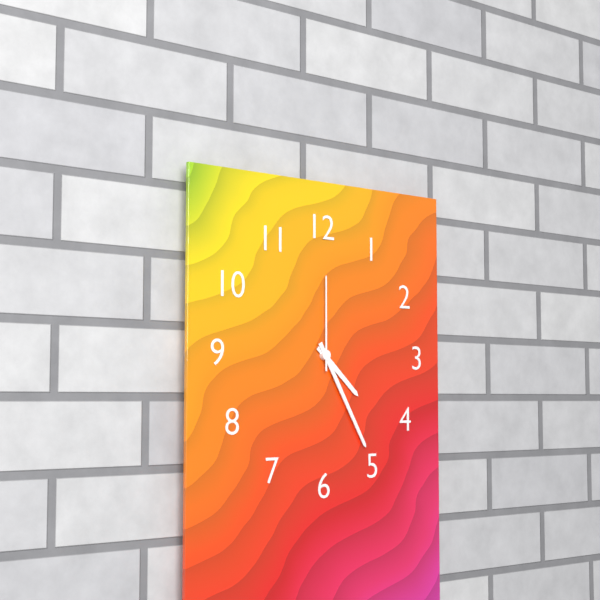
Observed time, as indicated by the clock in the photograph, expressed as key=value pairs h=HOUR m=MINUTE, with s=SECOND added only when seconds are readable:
h=4 m=25 s=0
